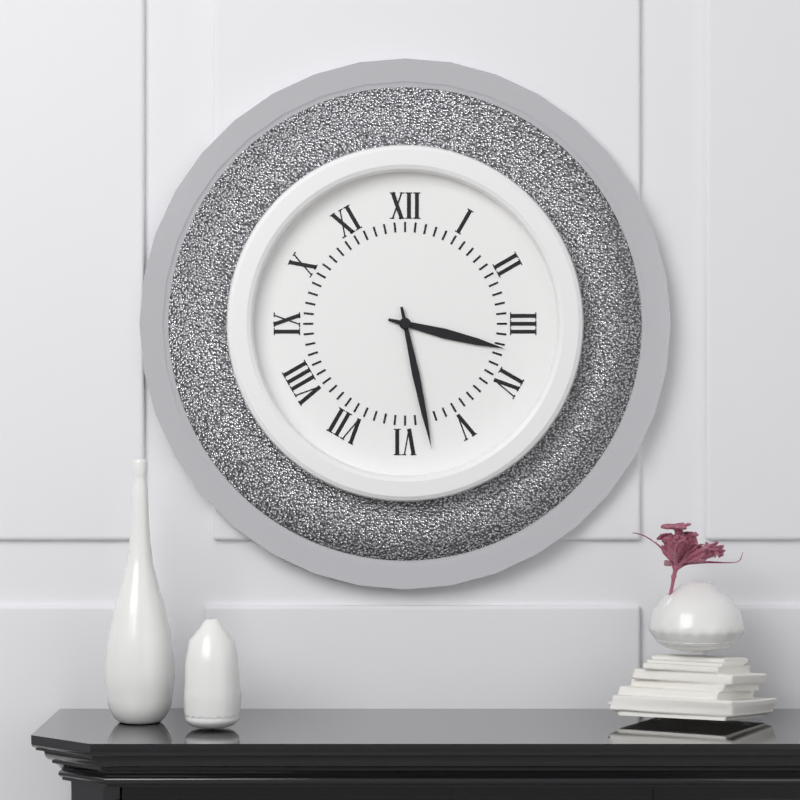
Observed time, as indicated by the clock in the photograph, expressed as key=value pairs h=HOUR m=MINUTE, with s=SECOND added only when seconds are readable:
h=3 m=28
